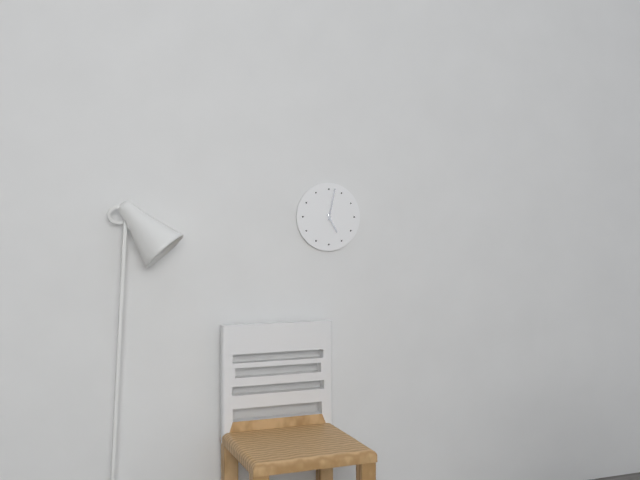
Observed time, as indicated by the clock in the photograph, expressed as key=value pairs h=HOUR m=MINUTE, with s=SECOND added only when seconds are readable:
h=5 m=2
